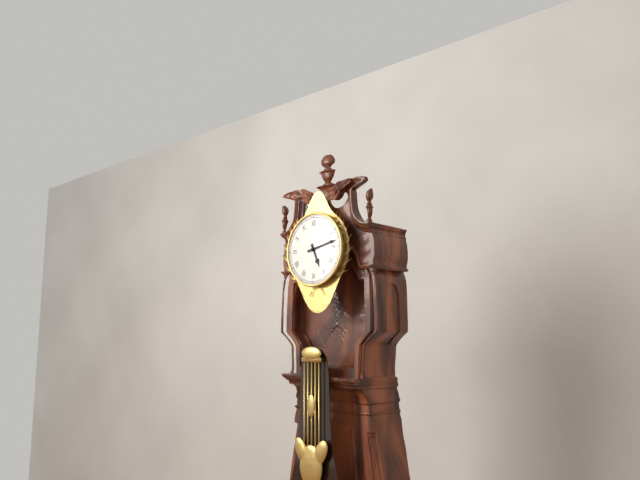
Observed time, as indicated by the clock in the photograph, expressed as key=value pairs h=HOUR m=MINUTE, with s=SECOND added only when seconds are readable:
h=5 m=13
